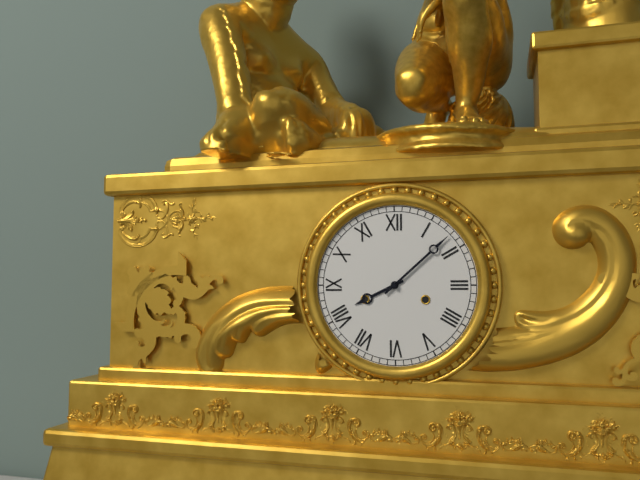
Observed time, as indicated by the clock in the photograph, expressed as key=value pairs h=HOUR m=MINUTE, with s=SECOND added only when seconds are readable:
h=8 m=8
